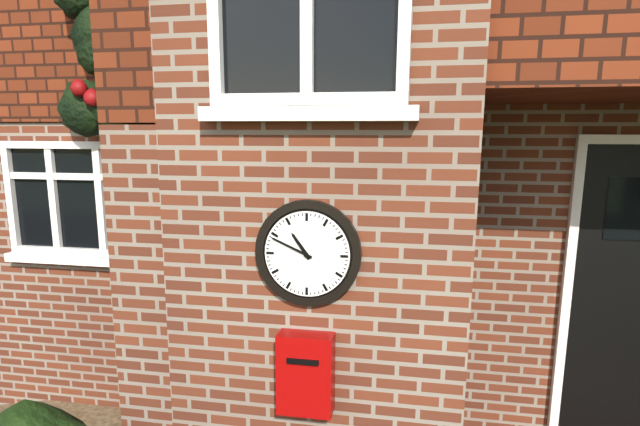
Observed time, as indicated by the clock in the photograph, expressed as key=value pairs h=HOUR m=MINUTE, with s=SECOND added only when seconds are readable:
h=10 m=49
